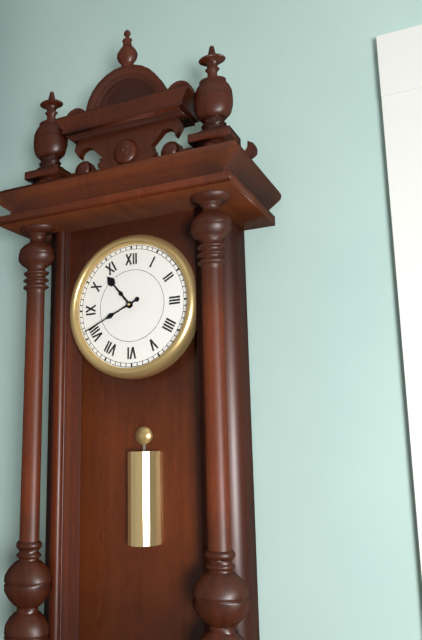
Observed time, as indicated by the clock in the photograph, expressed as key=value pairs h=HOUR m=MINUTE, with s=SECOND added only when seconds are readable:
h=10 m=41
